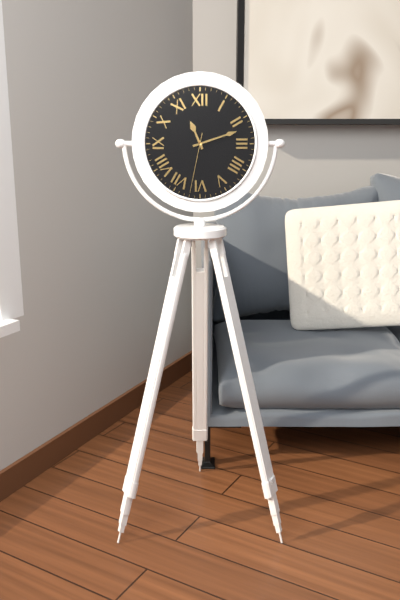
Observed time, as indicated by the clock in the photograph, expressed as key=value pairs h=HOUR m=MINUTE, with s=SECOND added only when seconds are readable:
h=11 m=12 s=32
